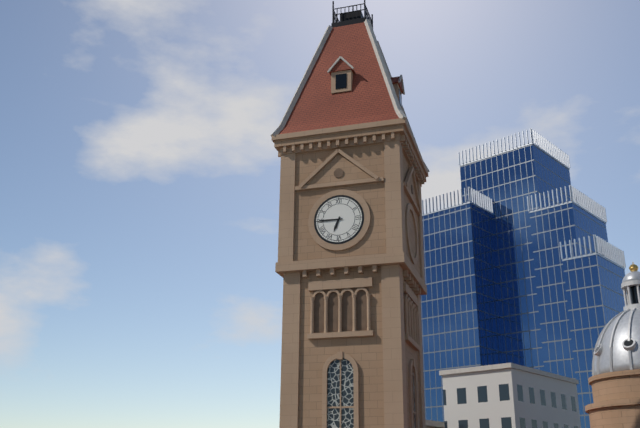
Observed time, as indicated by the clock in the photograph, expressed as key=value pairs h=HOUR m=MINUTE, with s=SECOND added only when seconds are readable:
h=6 m=45
